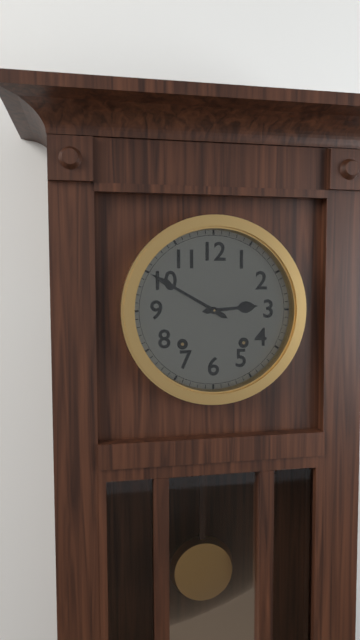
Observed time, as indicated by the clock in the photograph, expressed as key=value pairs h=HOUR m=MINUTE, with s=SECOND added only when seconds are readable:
h=2 m=50
